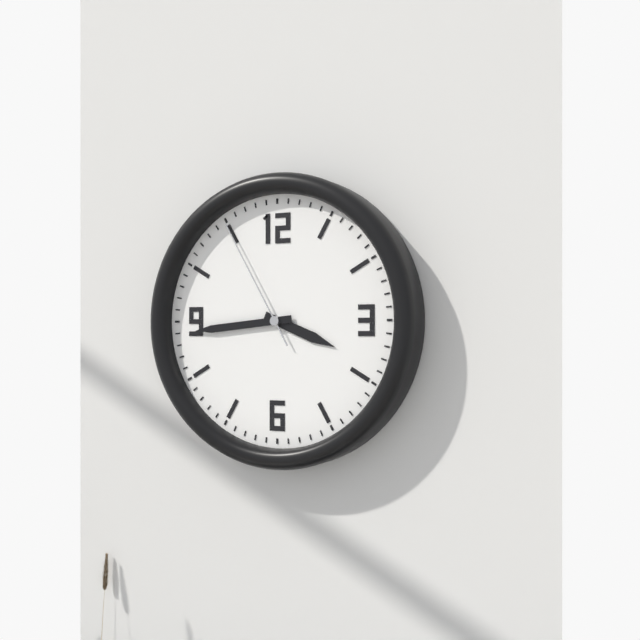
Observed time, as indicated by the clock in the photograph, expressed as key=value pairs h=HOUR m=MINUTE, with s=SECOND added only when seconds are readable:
h=3 m=44 s=55
